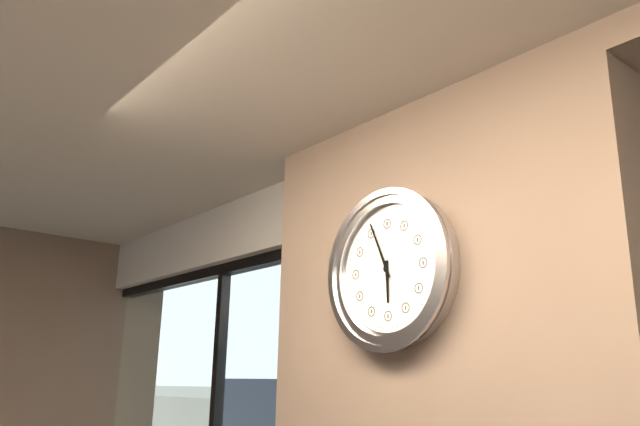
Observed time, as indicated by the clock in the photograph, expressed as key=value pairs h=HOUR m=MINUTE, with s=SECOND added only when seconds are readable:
h=5 m=56
